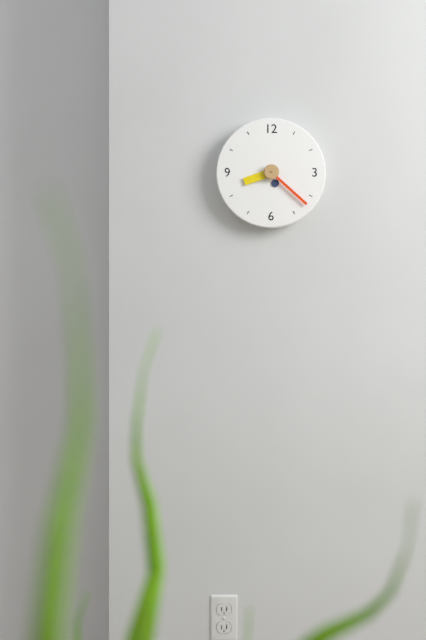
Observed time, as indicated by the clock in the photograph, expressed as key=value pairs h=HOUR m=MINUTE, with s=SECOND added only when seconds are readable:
h=8 m=22
